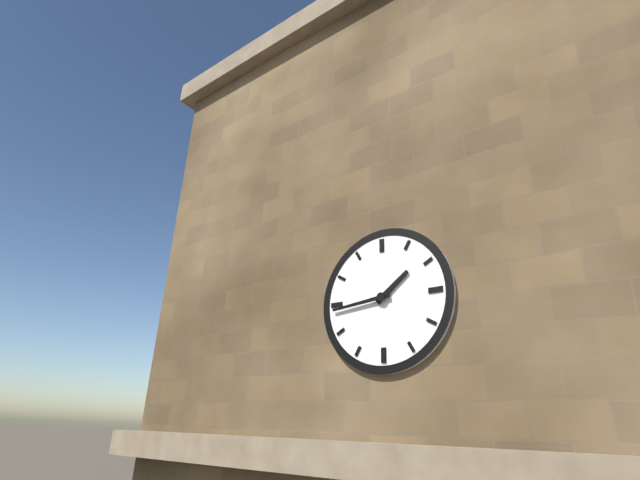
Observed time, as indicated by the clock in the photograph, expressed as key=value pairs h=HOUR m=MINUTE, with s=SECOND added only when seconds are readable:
h=1 m=44
